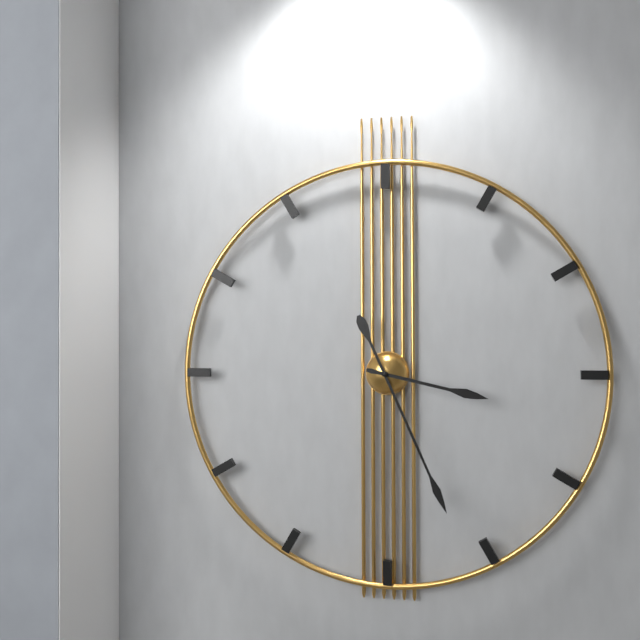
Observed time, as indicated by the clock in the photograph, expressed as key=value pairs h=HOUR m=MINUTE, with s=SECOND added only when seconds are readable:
h=3 m=26
